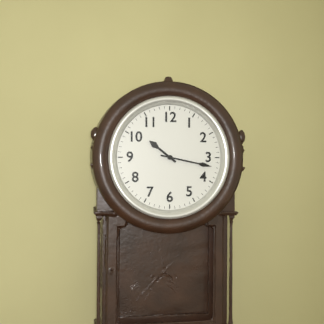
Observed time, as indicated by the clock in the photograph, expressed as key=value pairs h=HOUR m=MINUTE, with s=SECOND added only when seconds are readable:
h=10 m=17
